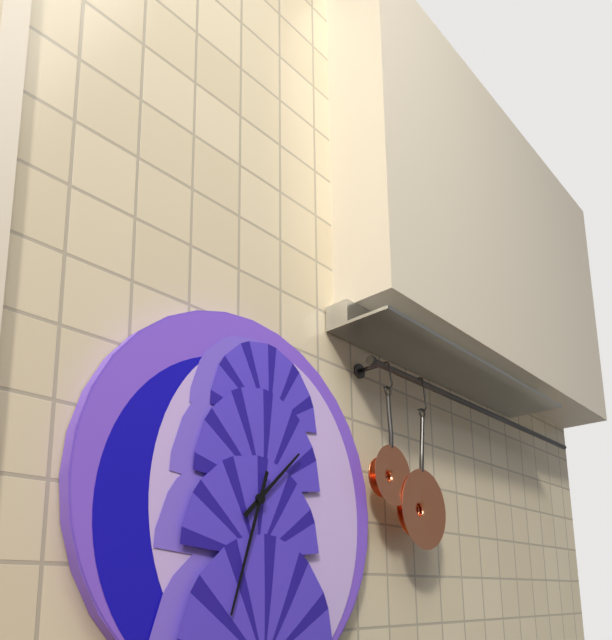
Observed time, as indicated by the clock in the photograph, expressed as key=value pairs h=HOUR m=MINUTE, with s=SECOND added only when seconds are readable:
h=1 m=33
